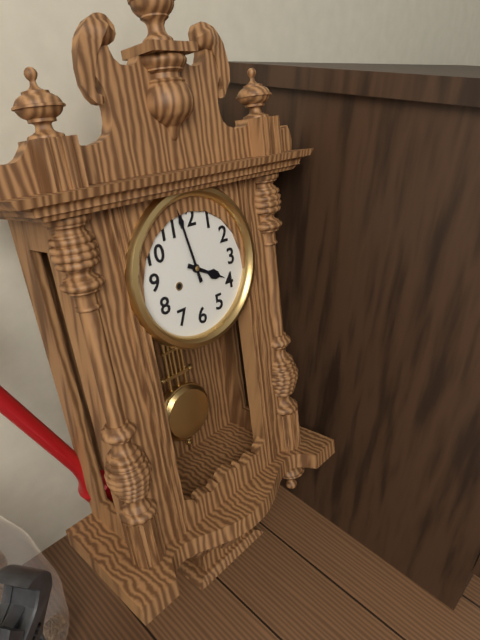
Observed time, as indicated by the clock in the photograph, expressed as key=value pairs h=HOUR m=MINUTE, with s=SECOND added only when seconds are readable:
h=3 m=58
